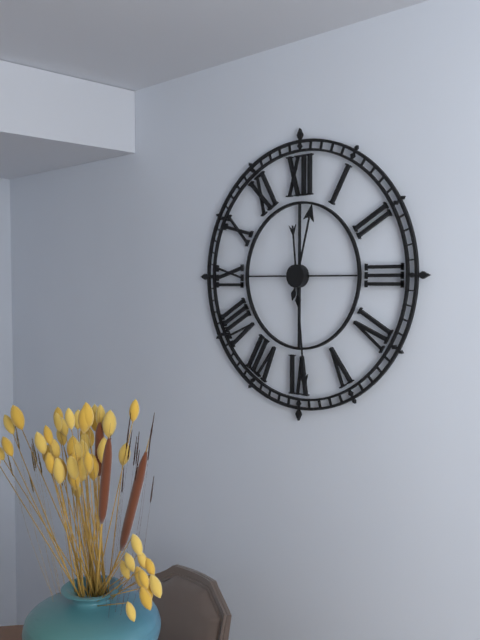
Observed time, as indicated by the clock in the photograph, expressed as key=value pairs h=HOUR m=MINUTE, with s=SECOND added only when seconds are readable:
h=12 m=29
